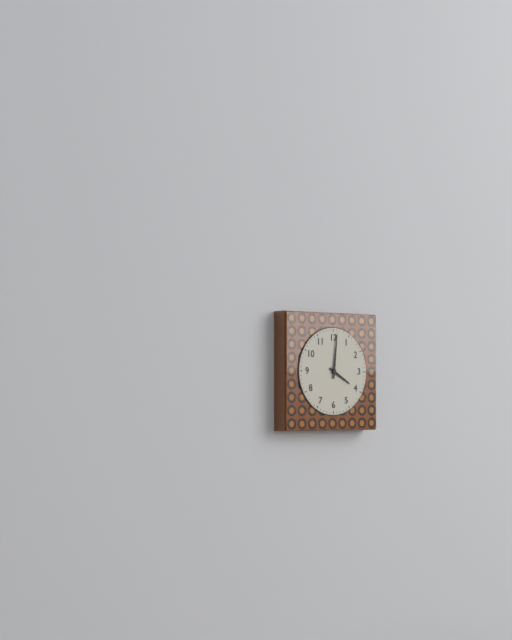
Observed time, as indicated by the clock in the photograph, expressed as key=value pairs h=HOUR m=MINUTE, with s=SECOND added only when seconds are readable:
h=4 m=1
